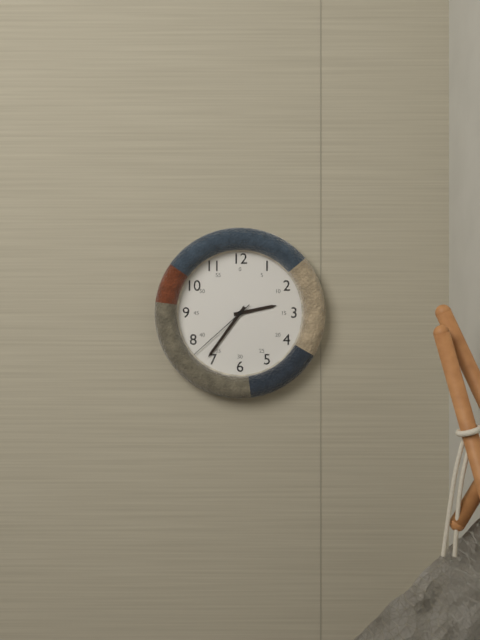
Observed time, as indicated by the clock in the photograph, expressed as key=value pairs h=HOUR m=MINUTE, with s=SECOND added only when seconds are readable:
h=2 m=36 s=38
